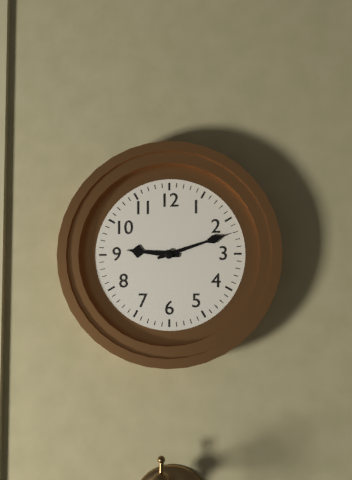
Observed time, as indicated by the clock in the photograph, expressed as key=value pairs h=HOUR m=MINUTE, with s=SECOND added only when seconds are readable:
h=9 m=12
